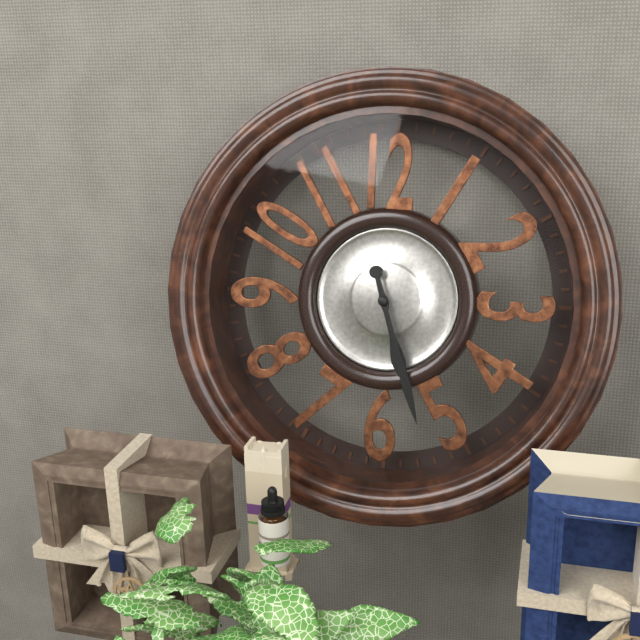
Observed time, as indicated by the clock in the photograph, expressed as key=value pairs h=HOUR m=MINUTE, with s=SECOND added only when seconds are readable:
h=5 m=27
